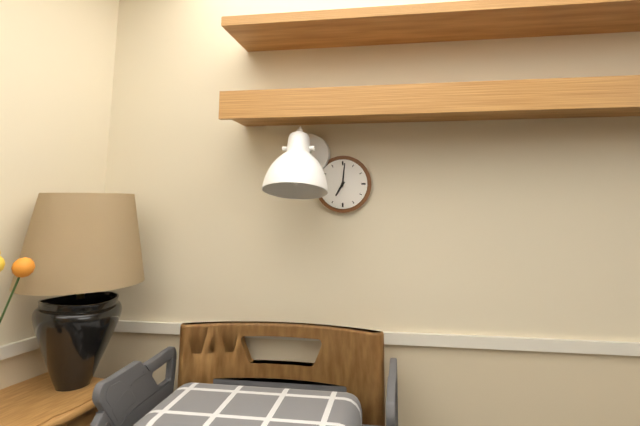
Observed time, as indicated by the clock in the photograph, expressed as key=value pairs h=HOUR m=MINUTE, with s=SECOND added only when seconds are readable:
h=7 m=1
